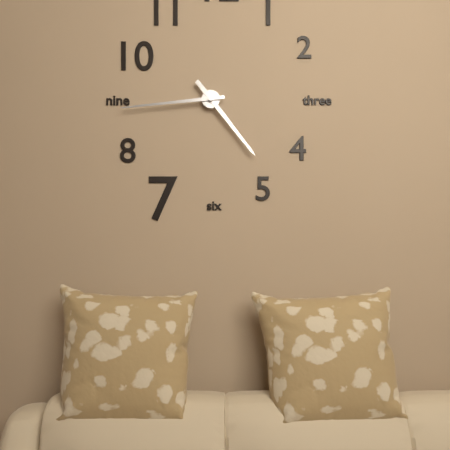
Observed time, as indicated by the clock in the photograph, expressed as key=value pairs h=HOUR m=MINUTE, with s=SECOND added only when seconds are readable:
h=4 m=44
